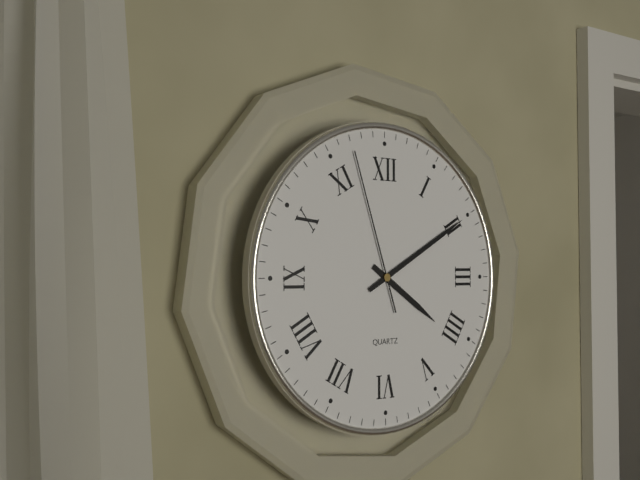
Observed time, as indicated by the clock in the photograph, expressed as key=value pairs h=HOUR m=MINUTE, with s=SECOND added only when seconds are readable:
h=4 m=10 s=57
